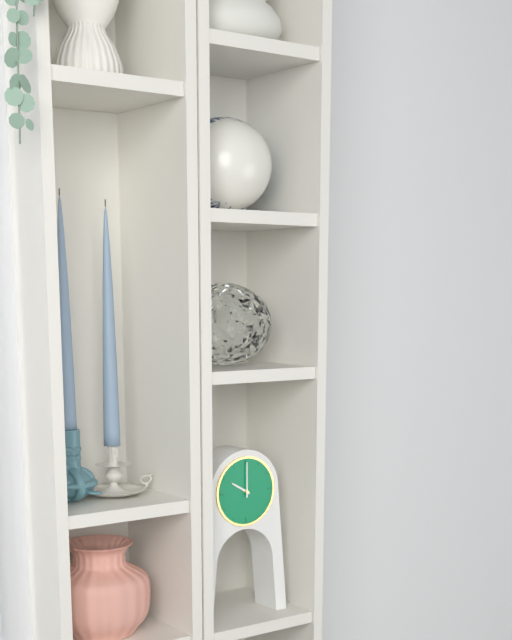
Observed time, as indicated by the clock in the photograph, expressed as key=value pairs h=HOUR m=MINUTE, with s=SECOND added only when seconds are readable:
h=10 m=0
